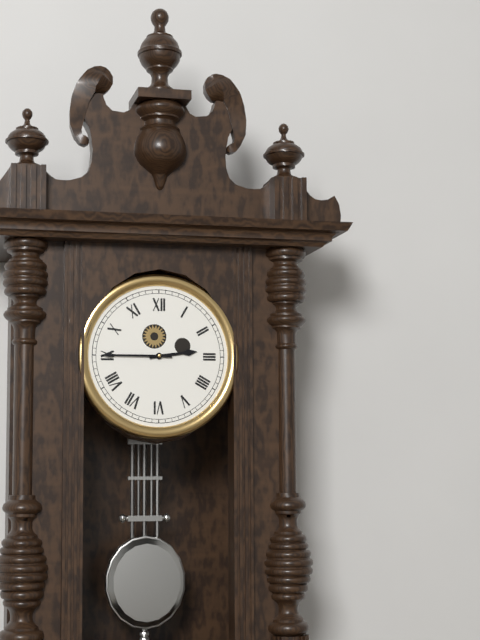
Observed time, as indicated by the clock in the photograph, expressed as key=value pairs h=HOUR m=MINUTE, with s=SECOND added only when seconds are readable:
h=2 m=45
